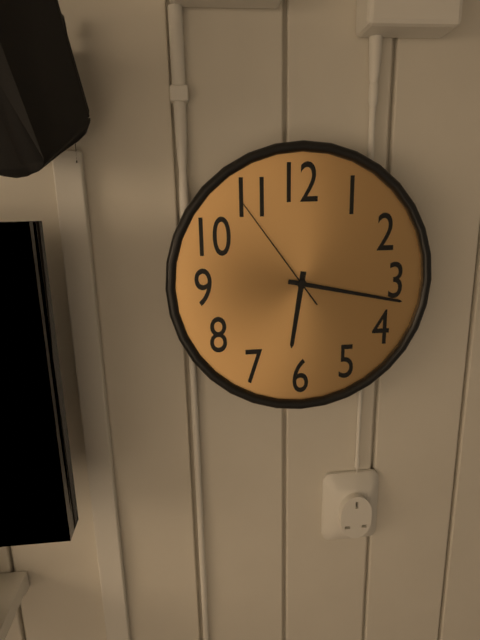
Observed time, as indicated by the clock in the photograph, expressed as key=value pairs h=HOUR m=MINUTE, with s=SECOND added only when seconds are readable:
h=6 m=17 s=54
